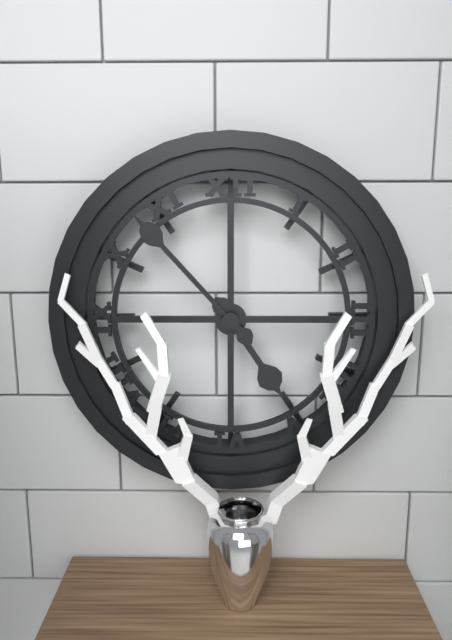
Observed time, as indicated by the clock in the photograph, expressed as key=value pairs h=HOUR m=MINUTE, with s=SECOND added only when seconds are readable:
h=4 m=53
